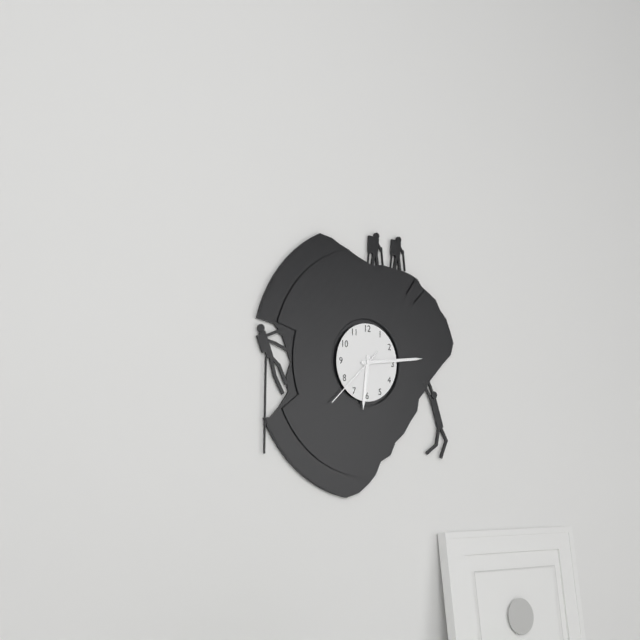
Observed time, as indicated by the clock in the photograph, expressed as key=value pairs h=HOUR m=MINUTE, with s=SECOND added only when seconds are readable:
h=6 m=14 s=38
